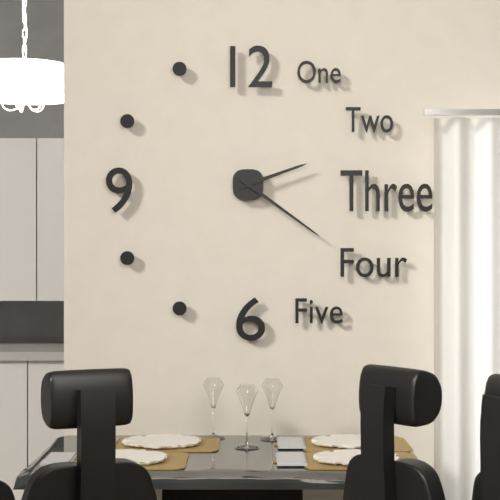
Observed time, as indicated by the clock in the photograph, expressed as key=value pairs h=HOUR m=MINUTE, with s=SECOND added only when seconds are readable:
h=2 m=21
